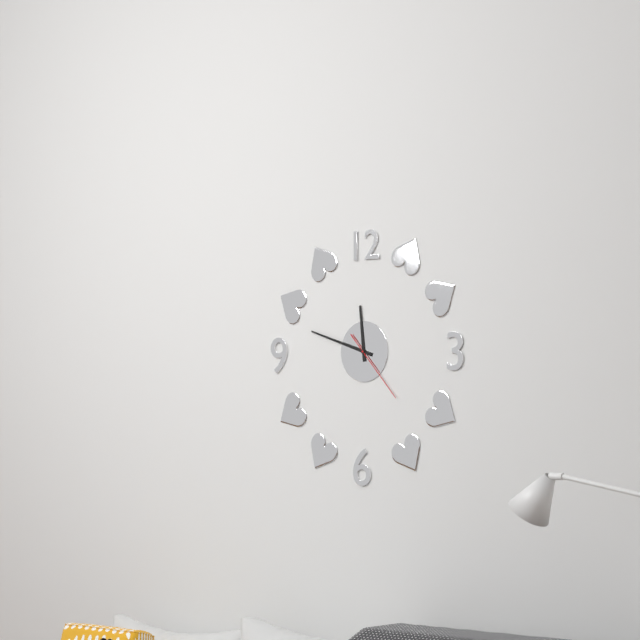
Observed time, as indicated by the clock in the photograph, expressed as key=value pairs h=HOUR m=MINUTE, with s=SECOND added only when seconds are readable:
h=11 m=48 s=23
